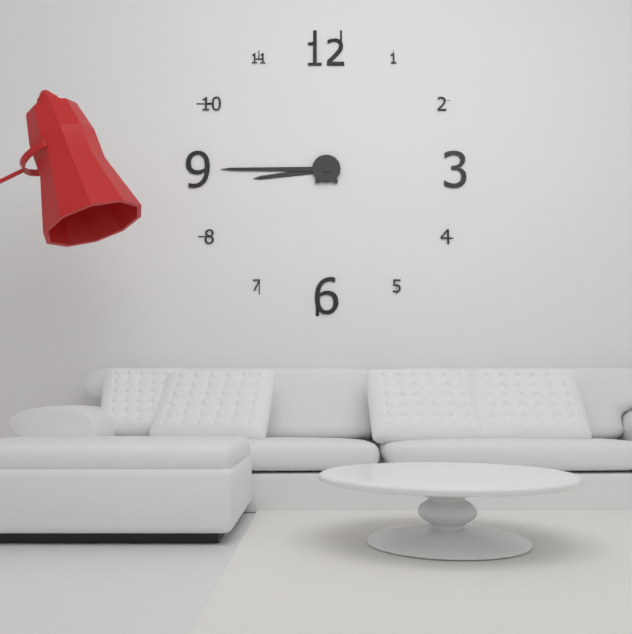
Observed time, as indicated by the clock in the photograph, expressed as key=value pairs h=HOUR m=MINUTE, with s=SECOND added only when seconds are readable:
h=8 m=45
